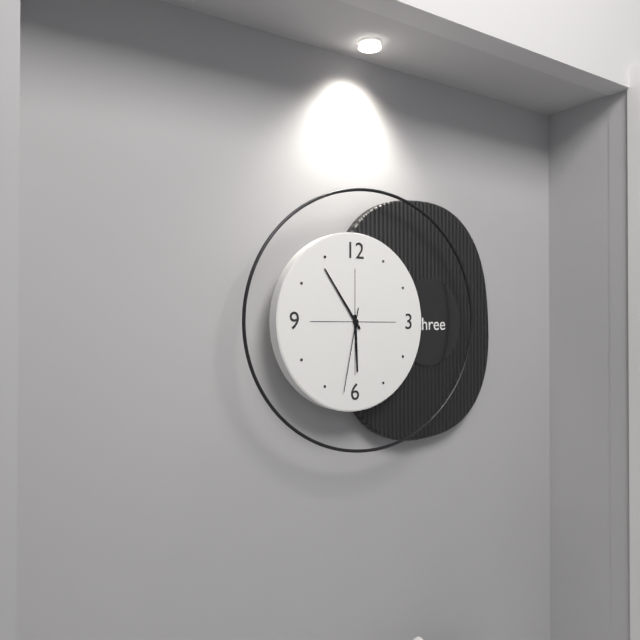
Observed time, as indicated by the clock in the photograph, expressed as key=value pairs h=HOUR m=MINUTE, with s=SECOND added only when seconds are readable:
h=5 m=54 s=32
